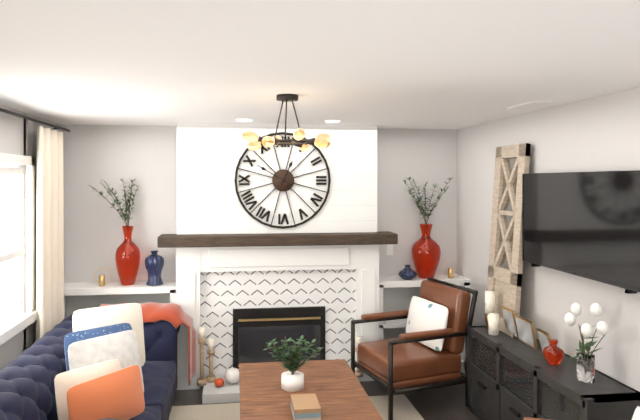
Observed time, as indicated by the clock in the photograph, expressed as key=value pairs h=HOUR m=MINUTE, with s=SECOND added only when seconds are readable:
h=12 m=50
